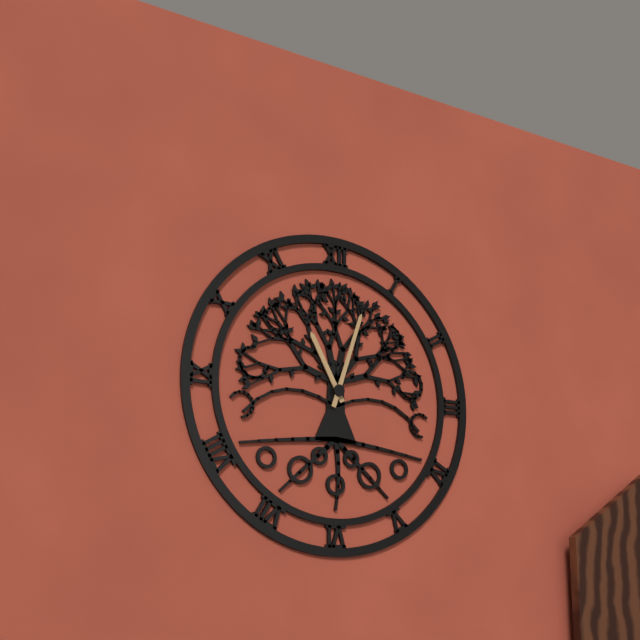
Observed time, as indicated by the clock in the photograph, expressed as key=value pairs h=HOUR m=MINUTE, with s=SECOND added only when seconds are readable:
h=11 m=3
